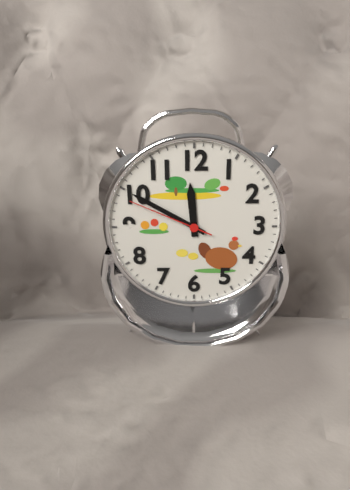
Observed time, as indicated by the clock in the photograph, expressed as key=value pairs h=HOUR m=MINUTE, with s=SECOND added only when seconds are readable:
h=11 m=50 s=49
